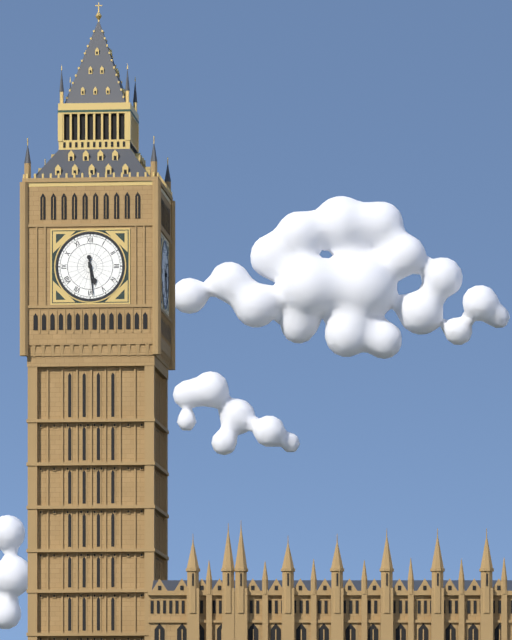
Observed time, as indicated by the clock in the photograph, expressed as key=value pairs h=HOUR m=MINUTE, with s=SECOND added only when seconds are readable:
h=5 m=29
